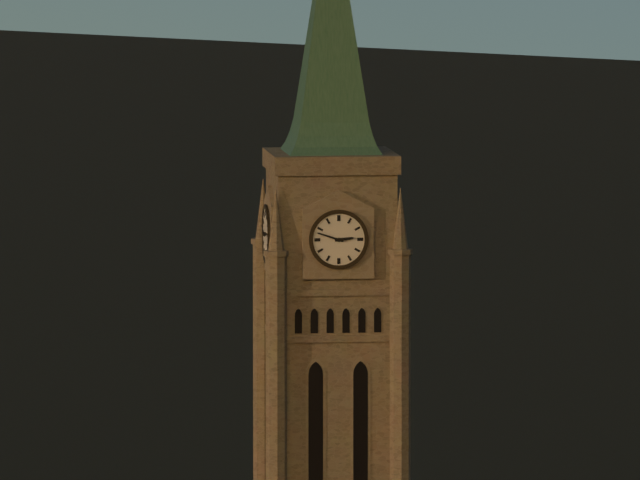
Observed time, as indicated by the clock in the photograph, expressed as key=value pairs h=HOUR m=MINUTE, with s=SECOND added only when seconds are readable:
h=2 m=48
